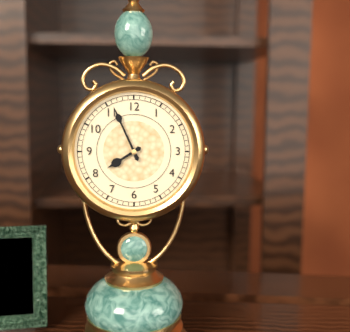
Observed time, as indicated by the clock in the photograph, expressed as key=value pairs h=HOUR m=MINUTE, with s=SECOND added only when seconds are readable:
h=7 m=56
